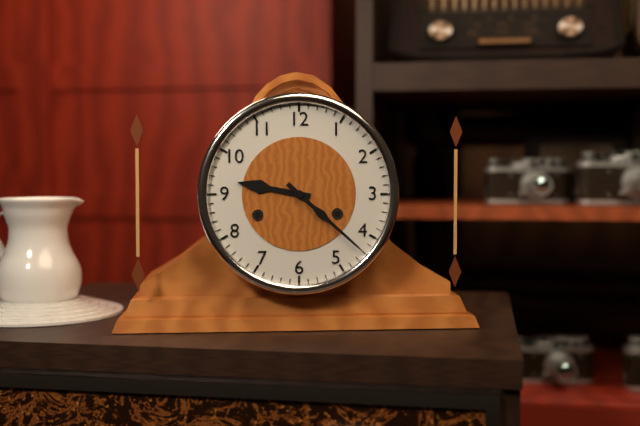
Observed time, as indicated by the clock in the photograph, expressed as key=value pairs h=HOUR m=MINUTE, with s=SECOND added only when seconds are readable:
h=9 m=22
